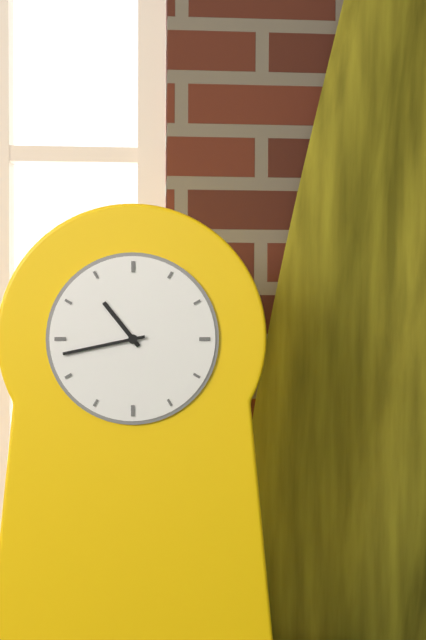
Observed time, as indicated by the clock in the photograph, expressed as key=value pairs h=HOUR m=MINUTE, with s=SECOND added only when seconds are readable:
h=10 m=43
